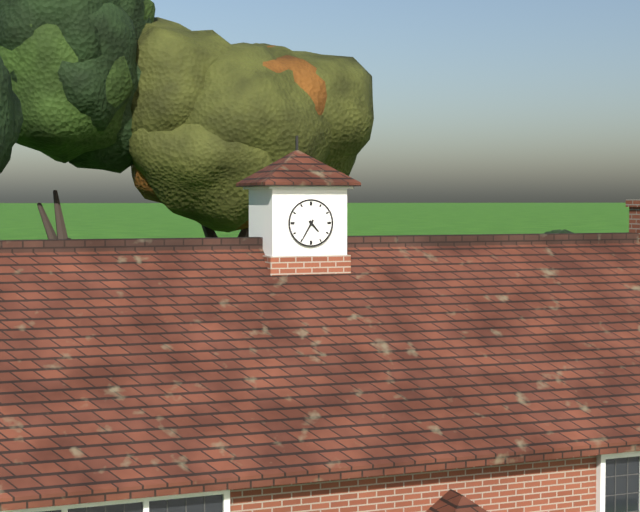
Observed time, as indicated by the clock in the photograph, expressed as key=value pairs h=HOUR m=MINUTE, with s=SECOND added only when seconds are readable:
h=4 m=35
